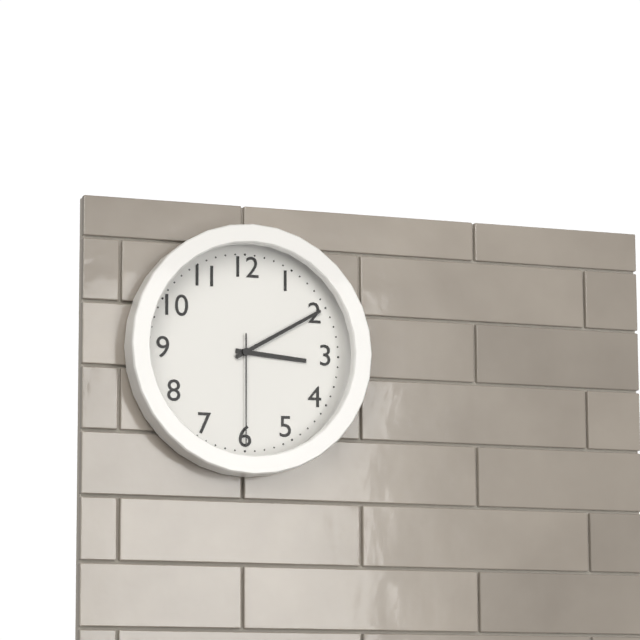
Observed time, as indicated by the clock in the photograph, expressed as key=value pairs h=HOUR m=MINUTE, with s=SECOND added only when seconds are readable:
h=3 m=10 s=30
